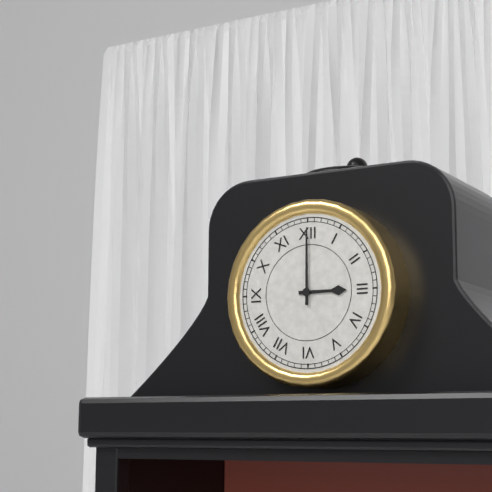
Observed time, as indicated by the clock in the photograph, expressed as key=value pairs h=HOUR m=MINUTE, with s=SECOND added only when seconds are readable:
h=3 m=0
